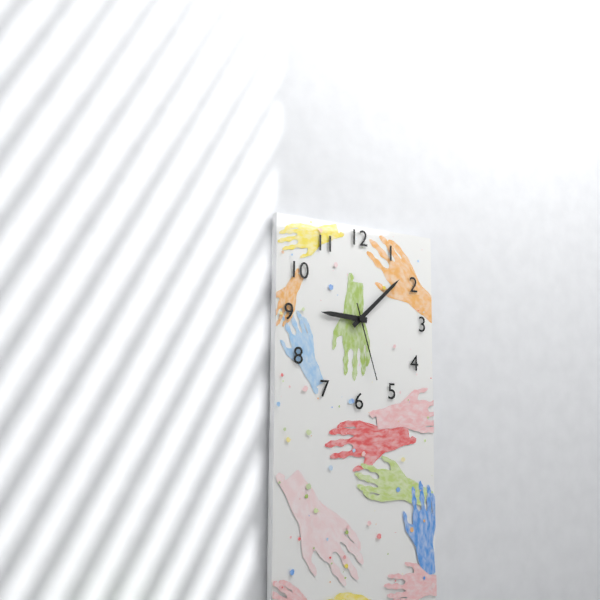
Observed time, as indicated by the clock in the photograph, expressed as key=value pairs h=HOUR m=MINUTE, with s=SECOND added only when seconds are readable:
h=9 m=8 s=27
